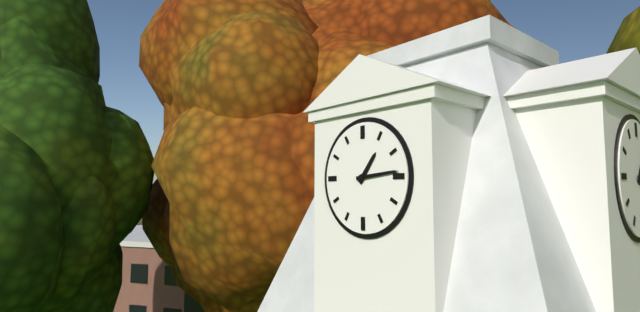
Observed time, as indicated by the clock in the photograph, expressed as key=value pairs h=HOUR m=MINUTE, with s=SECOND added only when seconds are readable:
h=1 m=14
